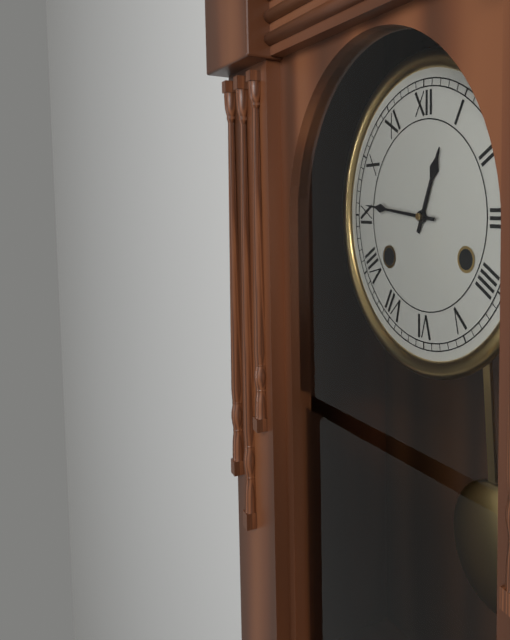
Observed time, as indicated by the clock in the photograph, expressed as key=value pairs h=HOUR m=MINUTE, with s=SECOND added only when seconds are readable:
h=12 m=46
